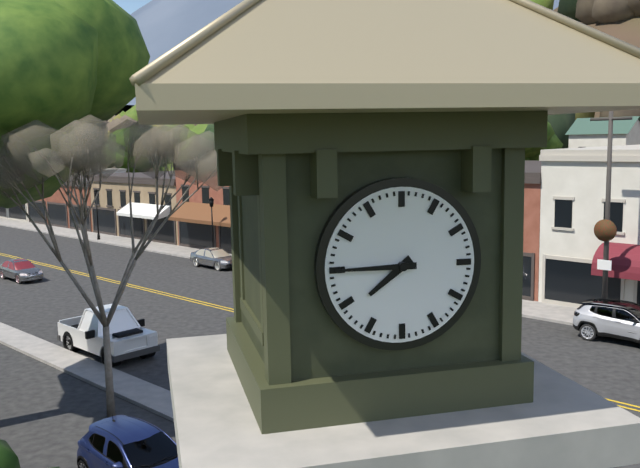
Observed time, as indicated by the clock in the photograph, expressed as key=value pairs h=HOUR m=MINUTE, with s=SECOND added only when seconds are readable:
h=7 m=45
